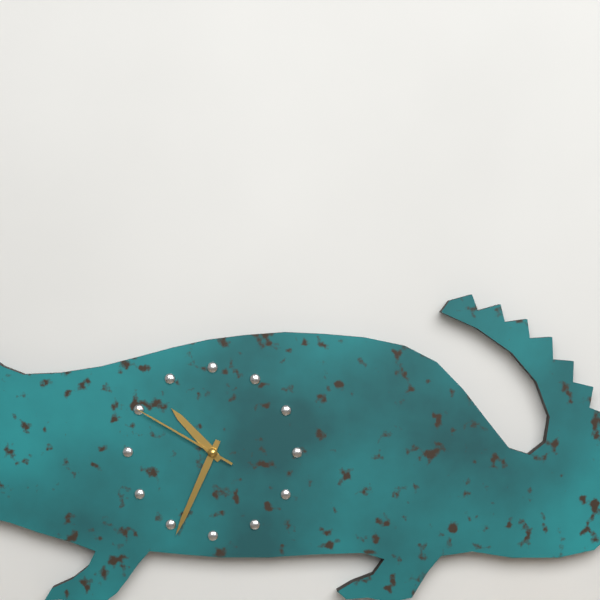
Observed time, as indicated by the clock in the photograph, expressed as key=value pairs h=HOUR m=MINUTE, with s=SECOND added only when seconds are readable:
h=10 m=34 s=50
